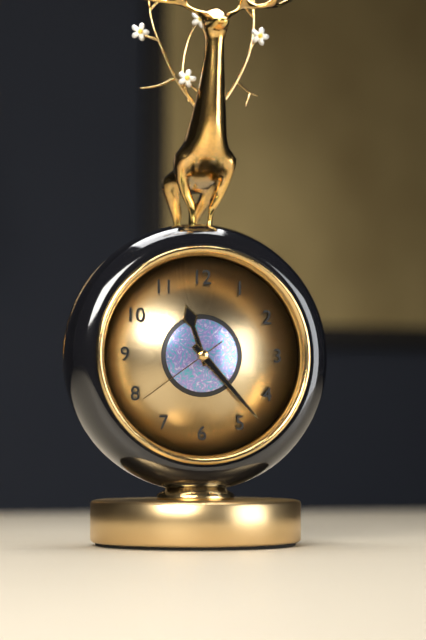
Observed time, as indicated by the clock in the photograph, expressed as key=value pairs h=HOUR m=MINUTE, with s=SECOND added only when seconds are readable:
h=11 m=23 s=39
